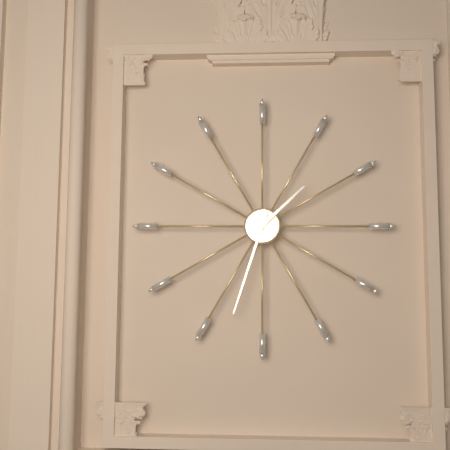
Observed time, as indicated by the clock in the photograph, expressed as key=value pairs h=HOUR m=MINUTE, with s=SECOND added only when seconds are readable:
h=1 m=33
